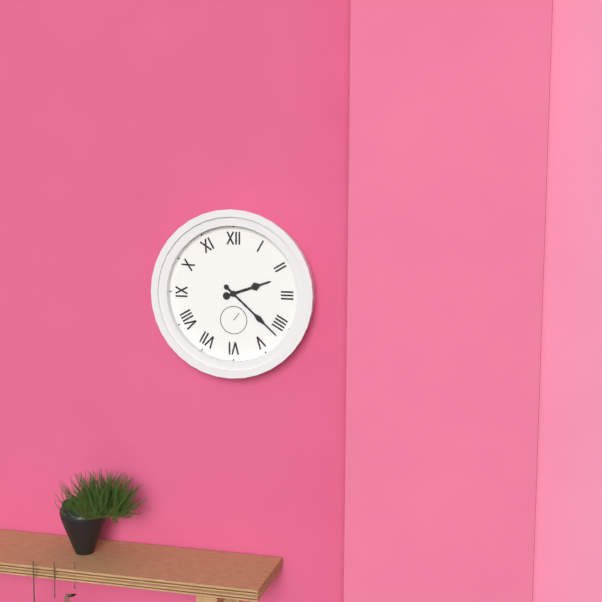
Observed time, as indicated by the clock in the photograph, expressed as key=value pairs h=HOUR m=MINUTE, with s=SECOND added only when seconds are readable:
h=2 m=22
